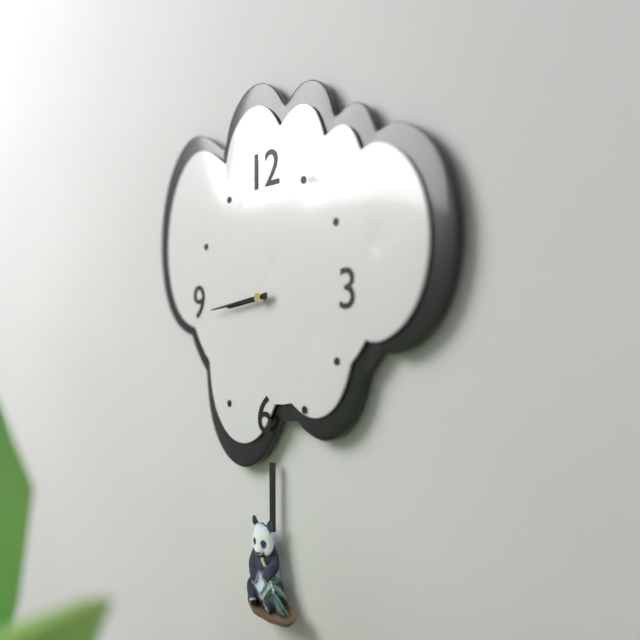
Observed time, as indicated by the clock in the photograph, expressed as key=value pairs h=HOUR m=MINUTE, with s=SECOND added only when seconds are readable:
h=8 m=44
